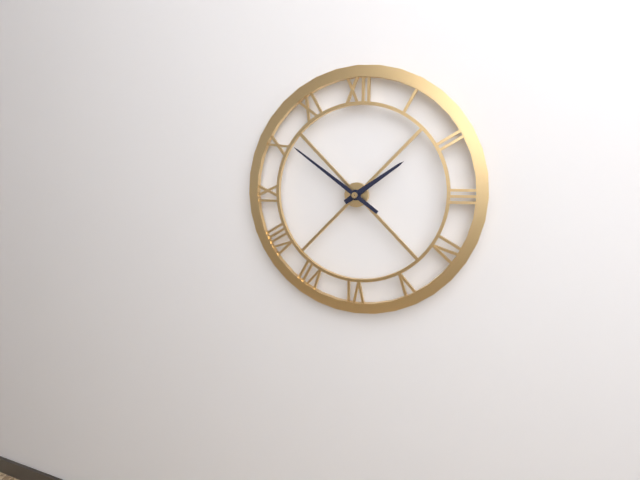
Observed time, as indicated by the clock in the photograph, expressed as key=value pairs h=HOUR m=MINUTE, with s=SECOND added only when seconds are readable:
h=1 m=51
